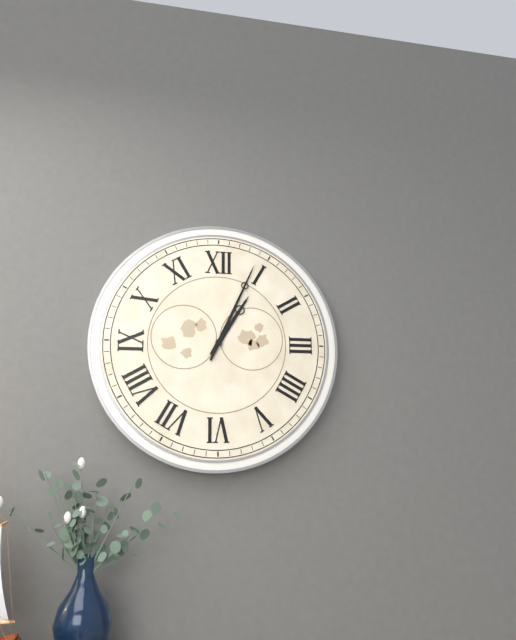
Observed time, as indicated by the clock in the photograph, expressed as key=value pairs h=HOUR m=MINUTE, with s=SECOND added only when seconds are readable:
h=1 m=4
